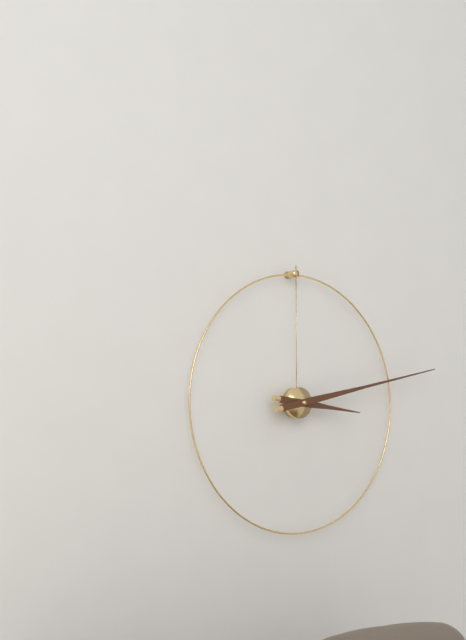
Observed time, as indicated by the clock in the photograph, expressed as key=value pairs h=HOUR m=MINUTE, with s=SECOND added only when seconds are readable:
h=3 m=13
